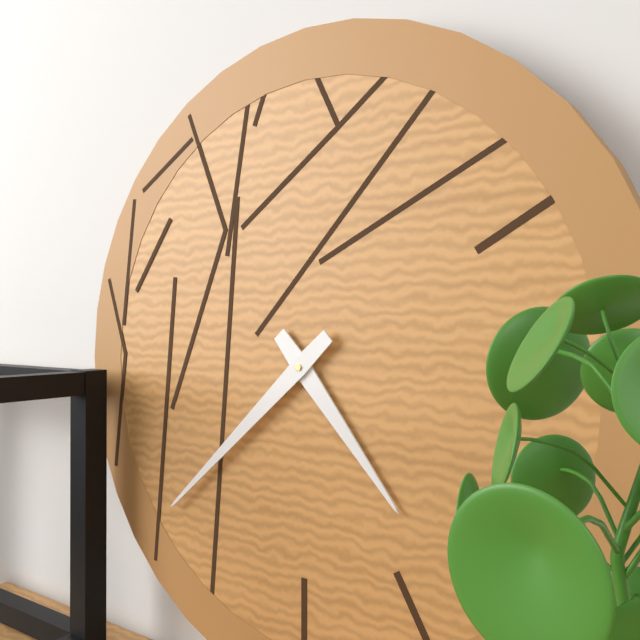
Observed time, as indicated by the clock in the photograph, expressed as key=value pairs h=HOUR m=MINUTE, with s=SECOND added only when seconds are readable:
h=4 m=38
